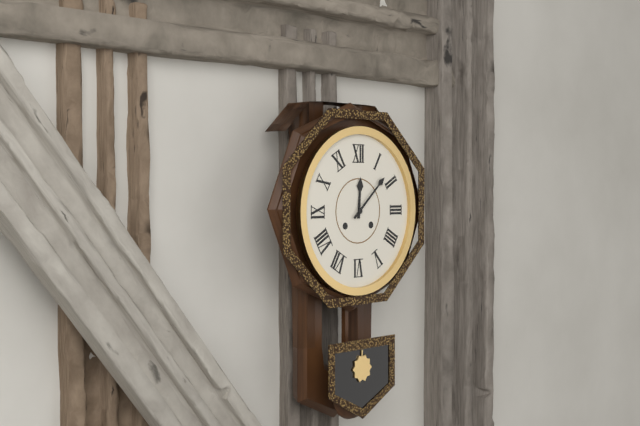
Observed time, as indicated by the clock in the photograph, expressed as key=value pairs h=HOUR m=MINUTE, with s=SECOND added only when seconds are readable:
h=12 m=8
